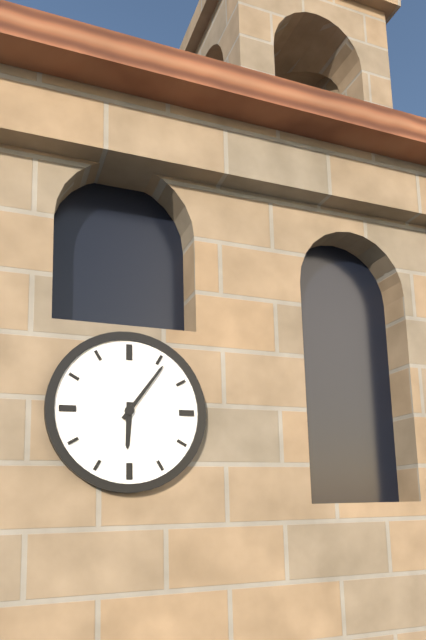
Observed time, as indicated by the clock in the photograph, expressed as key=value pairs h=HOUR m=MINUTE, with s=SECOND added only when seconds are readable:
h=6 m=6
